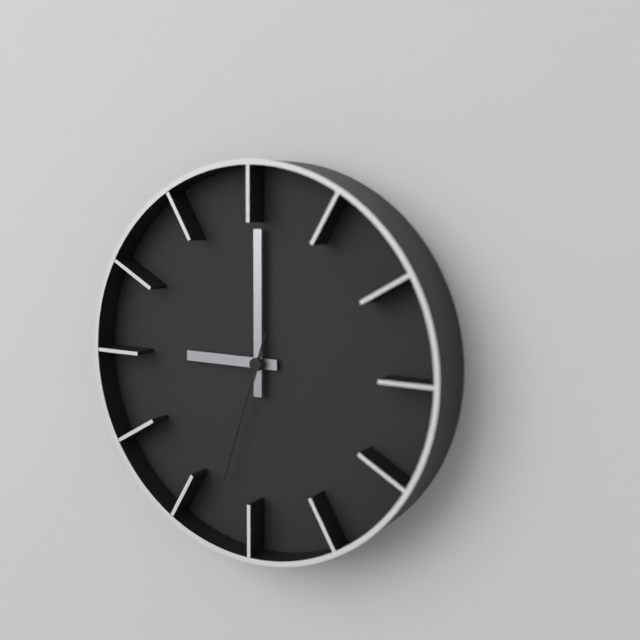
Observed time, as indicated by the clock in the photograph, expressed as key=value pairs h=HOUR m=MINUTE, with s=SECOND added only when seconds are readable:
h=9 m=0 s=33
